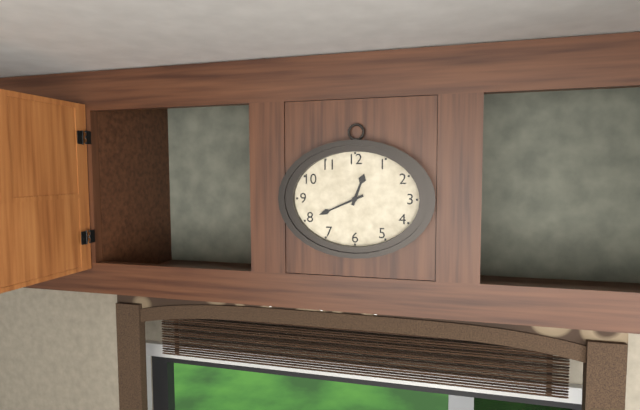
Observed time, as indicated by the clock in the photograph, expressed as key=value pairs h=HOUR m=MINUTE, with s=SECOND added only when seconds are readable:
h=12 m=41
